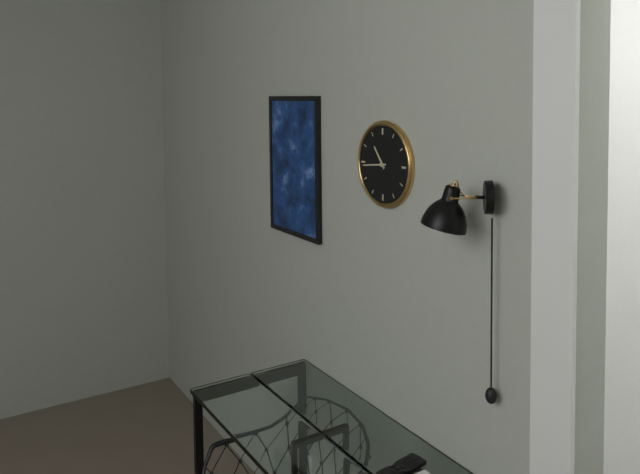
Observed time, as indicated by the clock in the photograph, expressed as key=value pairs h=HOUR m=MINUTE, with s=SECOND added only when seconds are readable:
h=10 m=44
